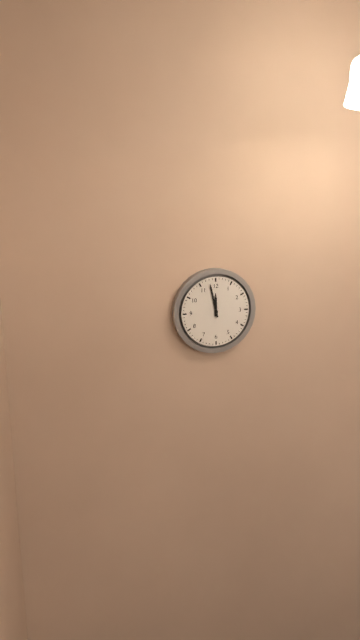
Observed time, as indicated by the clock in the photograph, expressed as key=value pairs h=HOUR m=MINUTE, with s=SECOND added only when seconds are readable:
h=11 m=58
